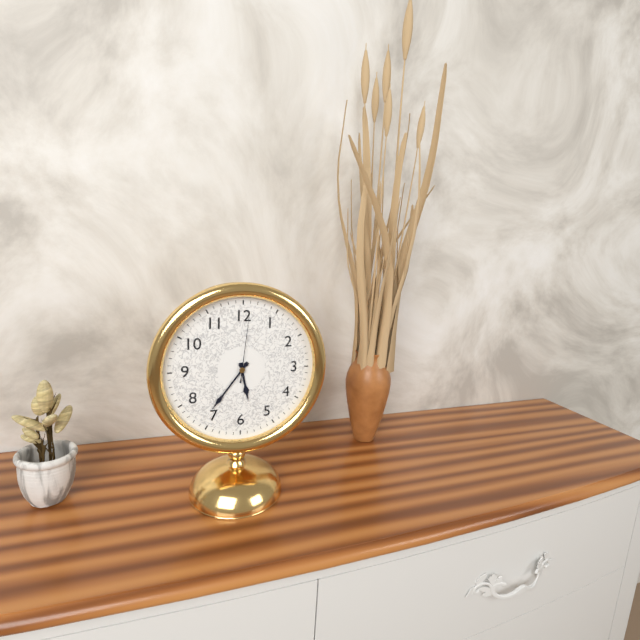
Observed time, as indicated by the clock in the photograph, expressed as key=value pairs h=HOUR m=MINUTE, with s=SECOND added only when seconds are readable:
h=5 m=36 s=1
